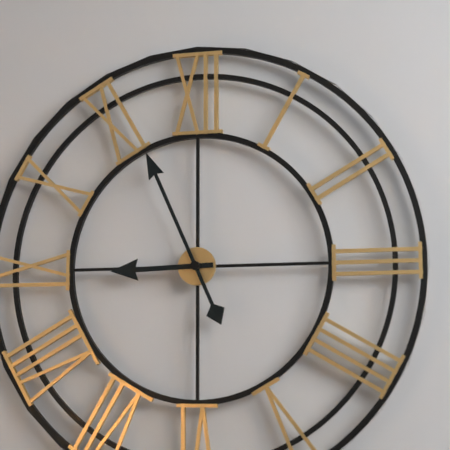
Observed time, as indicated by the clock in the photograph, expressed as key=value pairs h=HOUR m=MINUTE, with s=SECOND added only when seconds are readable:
h=8 m=56
